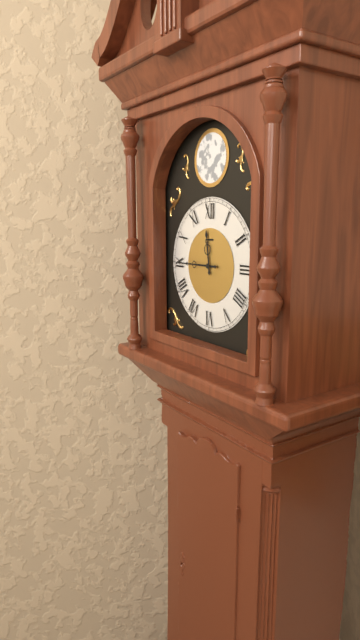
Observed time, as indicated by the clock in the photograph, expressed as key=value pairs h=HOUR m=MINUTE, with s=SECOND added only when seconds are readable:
h=11 m=45
